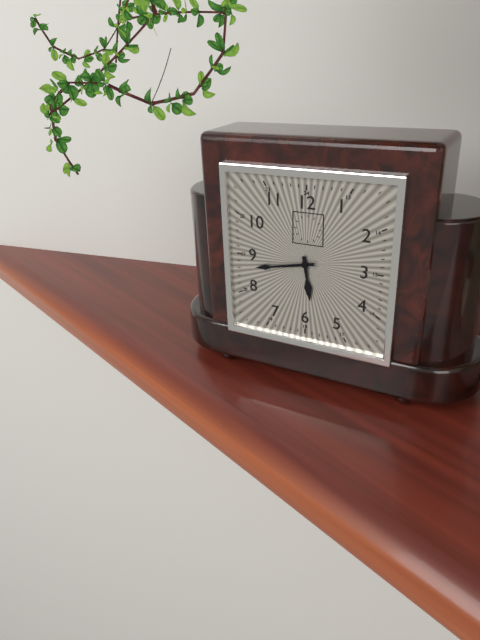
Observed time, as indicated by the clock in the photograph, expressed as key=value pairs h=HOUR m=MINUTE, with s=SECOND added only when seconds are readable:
h=5 m=43
